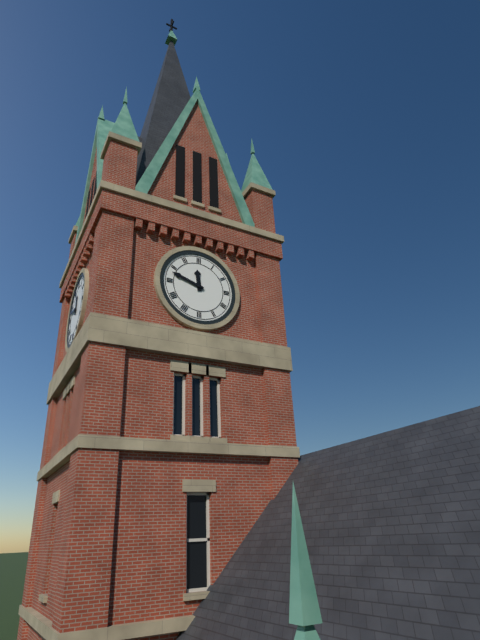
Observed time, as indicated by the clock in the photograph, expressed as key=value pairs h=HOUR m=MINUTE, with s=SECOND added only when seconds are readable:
h=11 m=48
